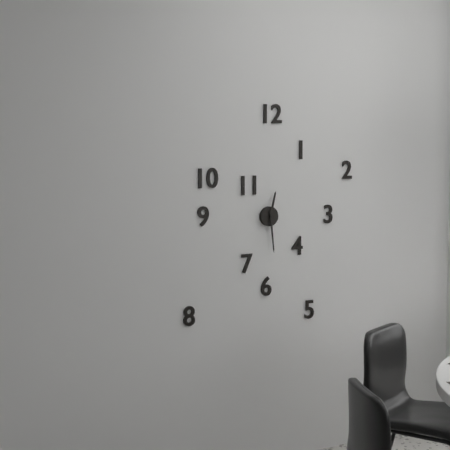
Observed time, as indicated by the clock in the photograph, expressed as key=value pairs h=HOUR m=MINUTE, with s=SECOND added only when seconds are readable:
h=12 m=29
